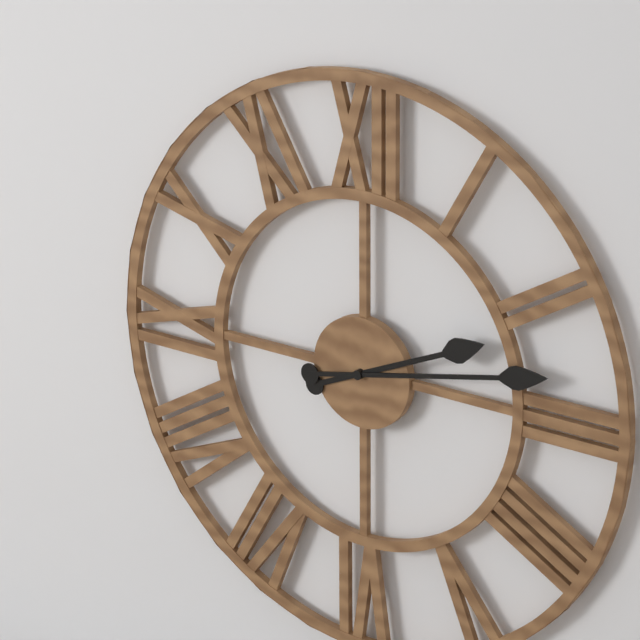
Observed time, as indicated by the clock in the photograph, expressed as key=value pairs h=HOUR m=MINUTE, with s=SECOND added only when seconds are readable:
h=2 m=13
